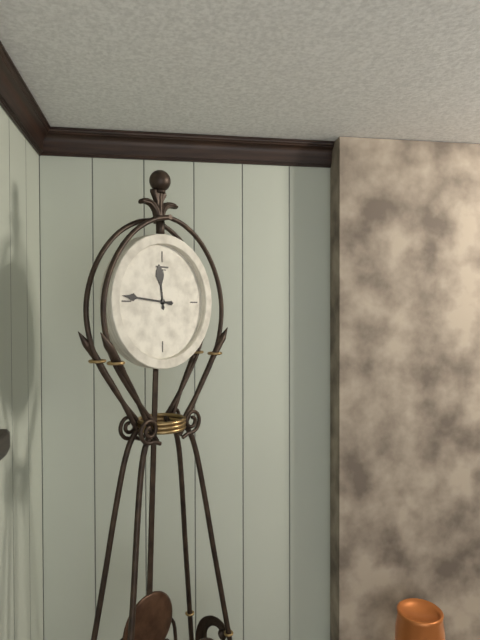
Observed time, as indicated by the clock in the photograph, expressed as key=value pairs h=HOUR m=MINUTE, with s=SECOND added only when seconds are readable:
h=11 m=46
